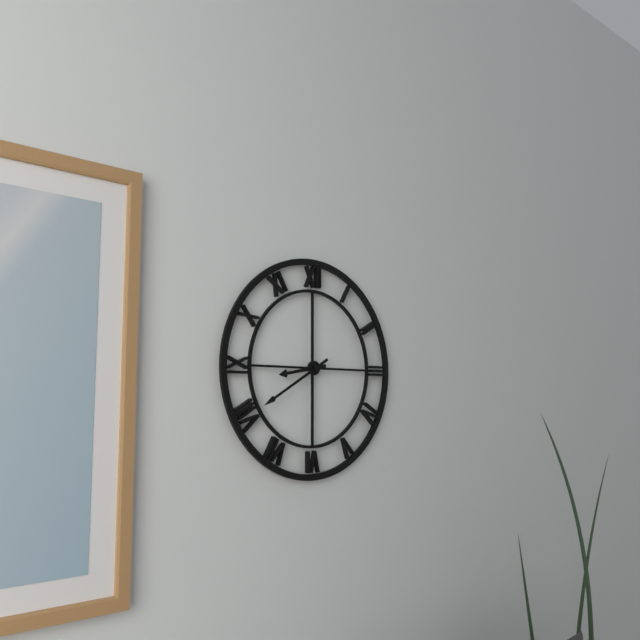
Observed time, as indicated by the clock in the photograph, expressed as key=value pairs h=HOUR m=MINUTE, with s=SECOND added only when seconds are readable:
h=8 m=40
